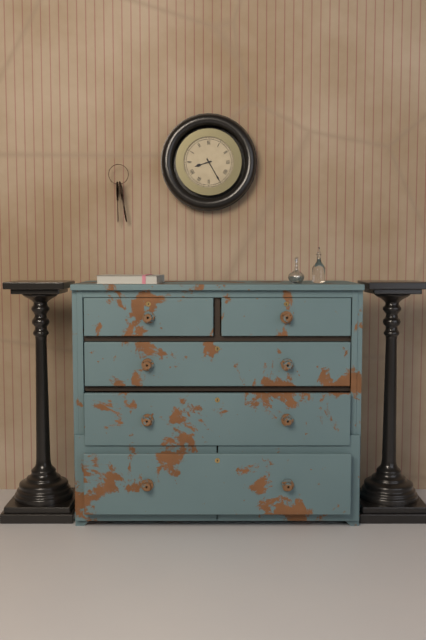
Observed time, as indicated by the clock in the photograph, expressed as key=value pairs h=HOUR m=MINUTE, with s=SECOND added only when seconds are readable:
h=8 m=25
